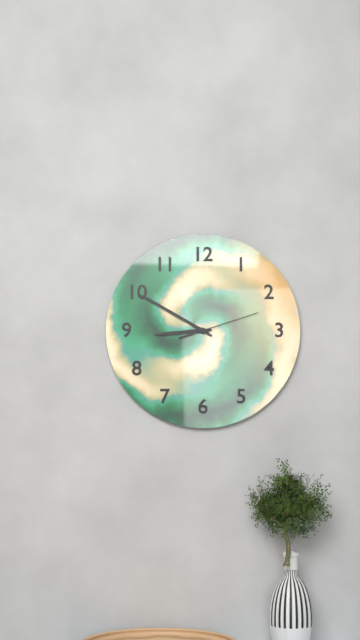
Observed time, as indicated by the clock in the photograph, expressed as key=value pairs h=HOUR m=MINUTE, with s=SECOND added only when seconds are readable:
h=8 m=50 s=12
